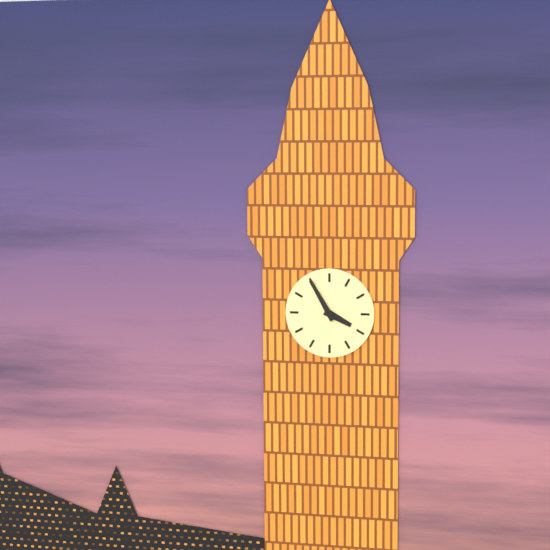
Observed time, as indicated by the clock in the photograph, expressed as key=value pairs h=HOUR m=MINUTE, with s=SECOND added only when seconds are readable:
h=3 m=55
